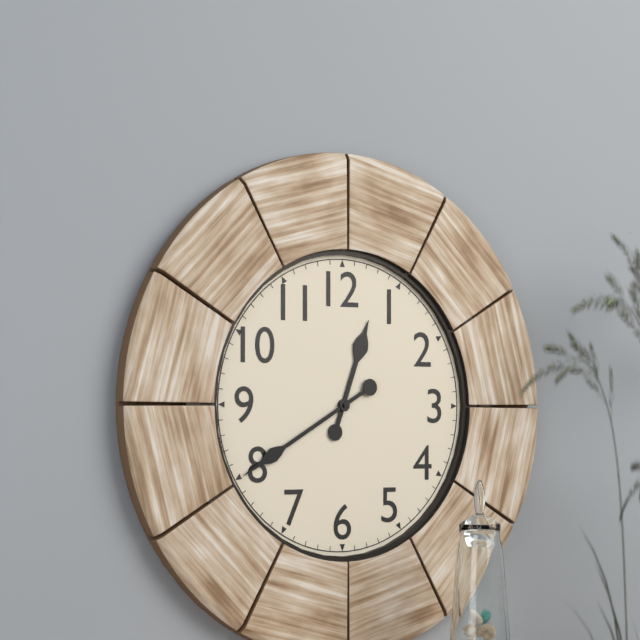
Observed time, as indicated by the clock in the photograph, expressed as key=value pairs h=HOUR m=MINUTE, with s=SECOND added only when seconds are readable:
h=12 m=40
